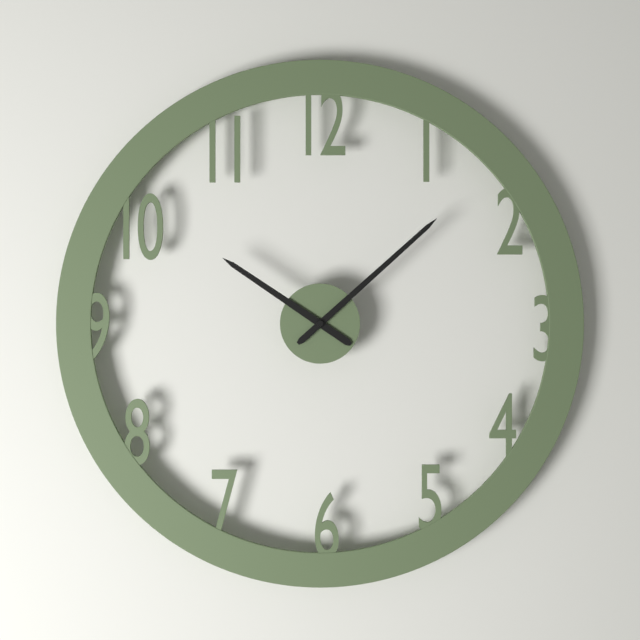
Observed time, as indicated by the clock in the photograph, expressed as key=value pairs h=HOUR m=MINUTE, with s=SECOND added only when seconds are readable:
h=10 m=8
